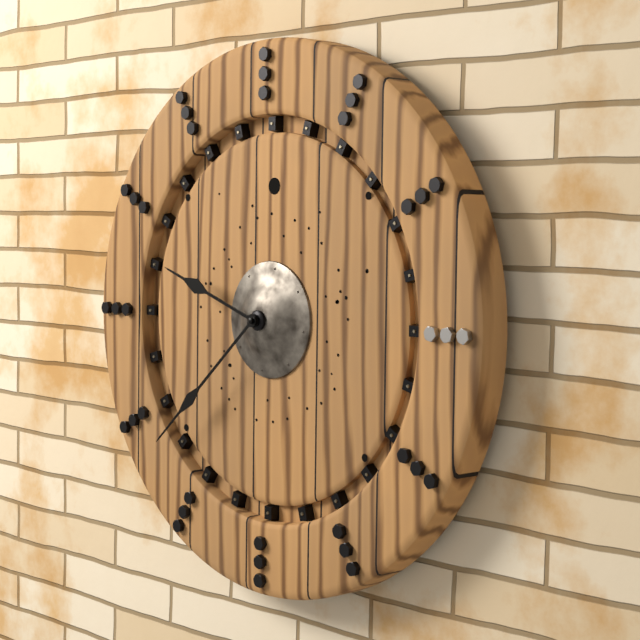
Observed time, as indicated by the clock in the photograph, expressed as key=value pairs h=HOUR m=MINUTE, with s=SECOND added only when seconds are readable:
h=9 m=38
